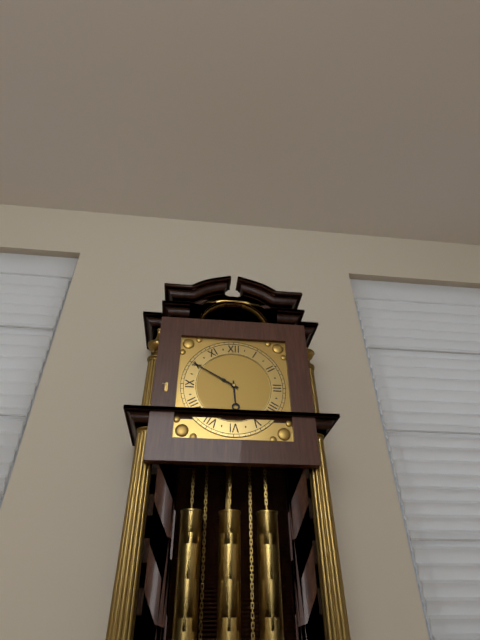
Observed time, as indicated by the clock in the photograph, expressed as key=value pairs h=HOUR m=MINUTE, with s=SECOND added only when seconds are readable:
h=5 m=50
